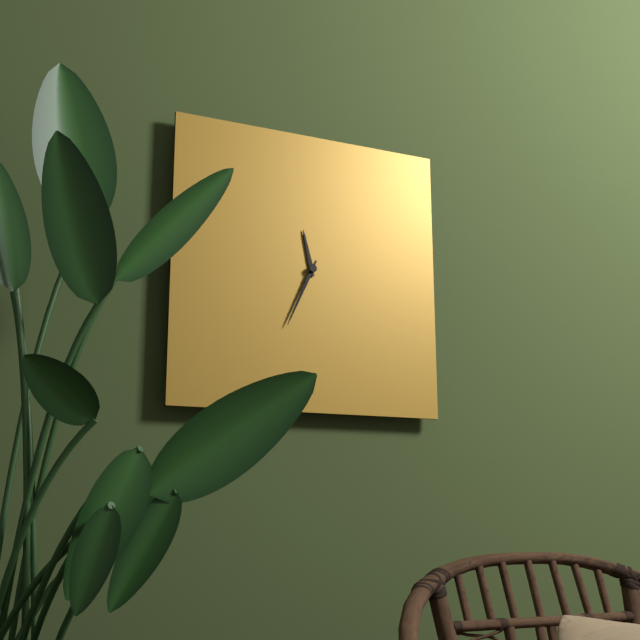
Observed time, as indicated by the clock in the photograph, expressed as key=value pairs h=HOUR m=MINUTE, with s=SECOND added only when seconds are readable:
h=11 m=34
